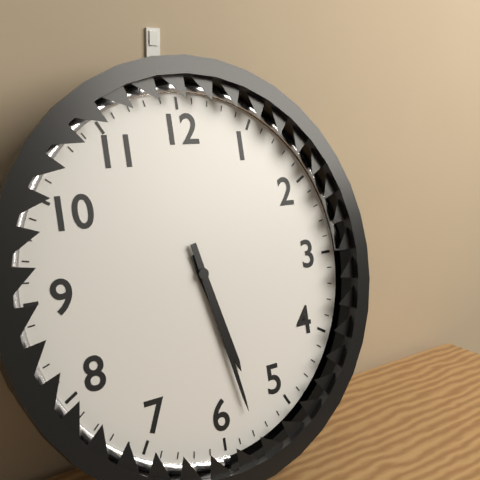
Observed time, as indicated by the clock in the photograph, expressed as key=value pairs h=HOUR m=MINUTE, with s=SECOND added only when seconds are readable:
h=5 m=28
